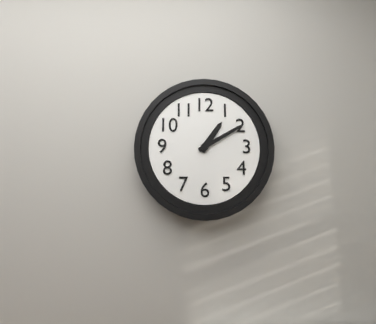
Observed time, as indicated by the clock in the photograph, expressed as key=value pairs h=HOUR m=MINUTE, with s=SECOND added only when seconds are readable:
h=1 m=10
